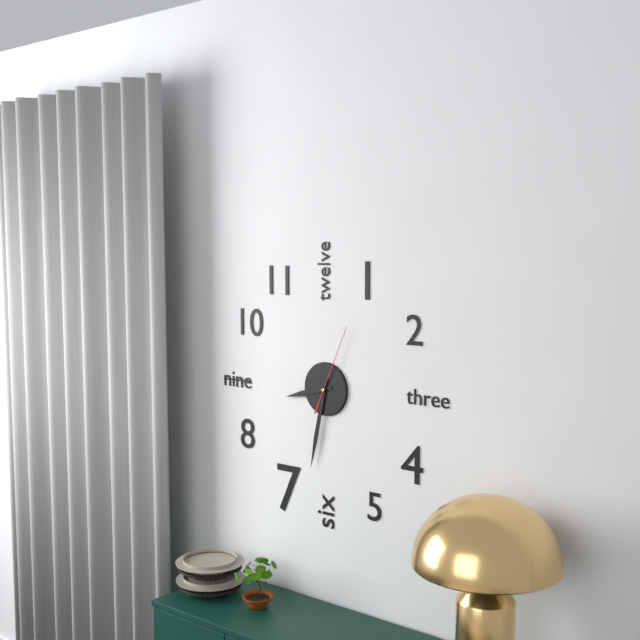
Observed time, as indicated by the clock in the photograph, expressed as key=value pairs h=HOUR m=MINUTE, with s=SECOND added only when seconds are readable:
h=8 m=32 s=4
